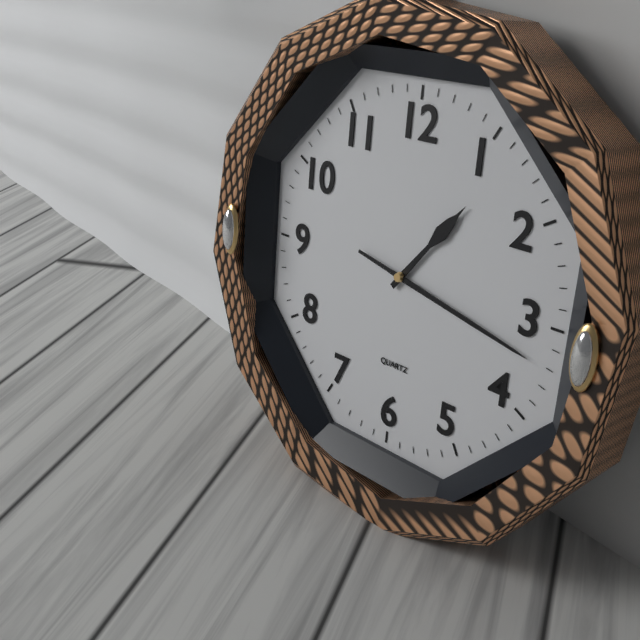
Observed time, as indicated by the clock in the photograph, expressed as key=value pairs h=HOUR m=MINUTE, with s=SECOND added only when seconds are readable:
h=1 m=17
